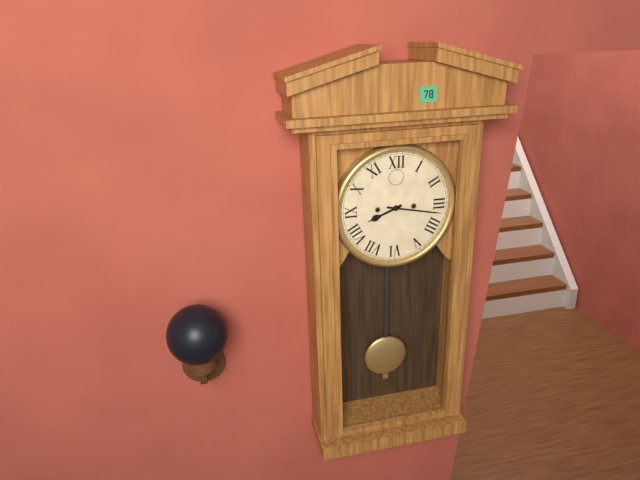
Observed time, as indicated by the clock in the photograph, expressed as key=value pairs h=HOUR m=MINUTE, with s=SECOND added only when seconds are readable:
h=8 m=17
